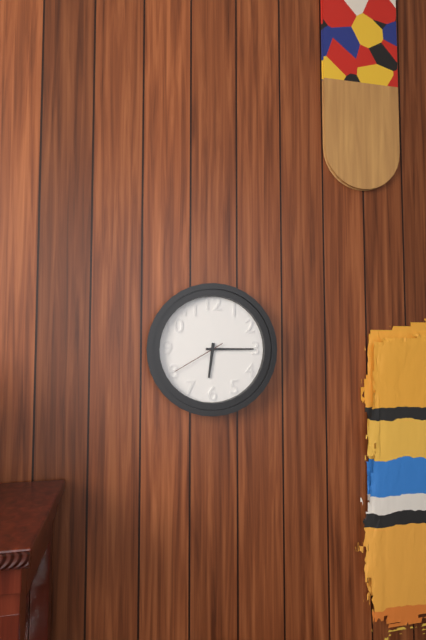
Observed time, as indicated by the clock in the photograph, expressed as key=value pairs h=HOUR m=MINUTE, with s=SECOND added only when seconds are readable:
h=6 m=15 s=40
